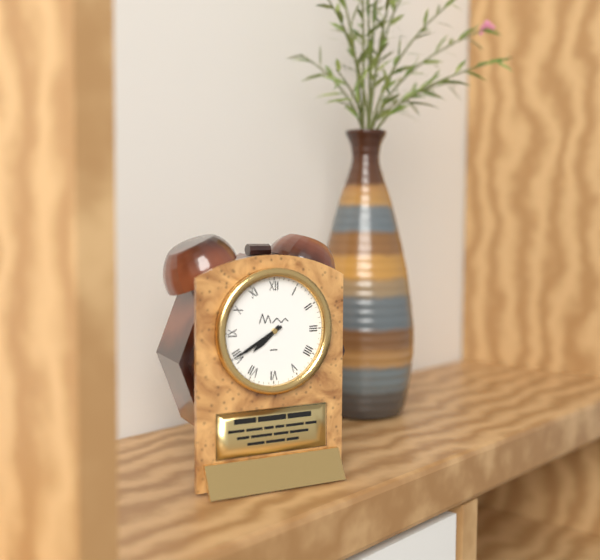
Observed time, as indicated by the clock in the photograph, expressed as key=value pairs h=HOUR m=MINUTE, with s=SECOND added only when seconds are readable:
h=7 m=40
